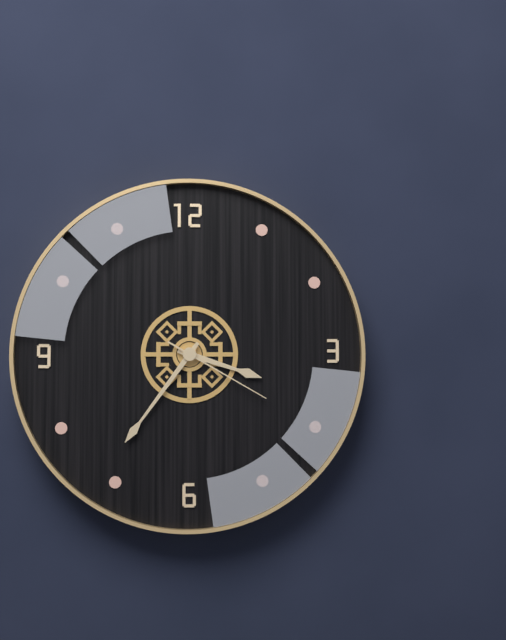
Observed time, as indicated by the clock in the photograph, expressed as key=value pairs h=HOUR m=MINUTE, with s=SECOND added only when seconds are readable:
h=3 m=36 s=20
